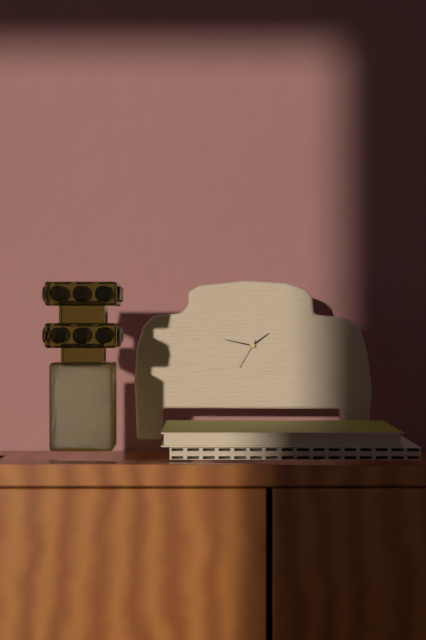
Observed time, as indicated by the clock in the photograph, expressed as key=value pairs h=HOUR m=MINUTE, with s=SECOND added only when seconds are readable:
h=1 m=47
